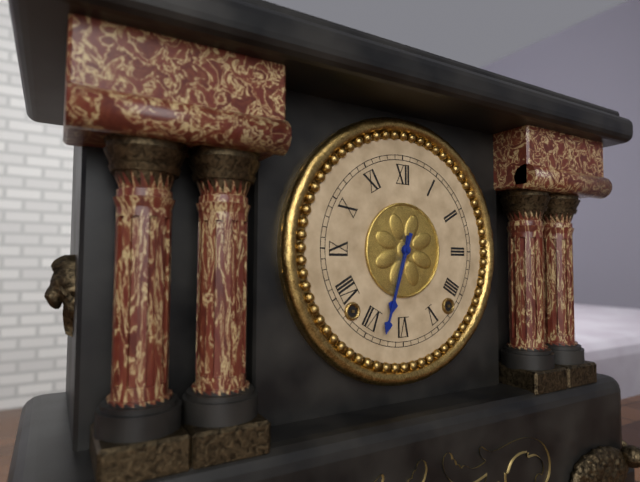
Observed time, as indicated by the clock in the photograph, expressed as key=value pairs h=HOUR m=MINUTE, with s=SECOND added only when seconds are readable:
h=6 m=33
